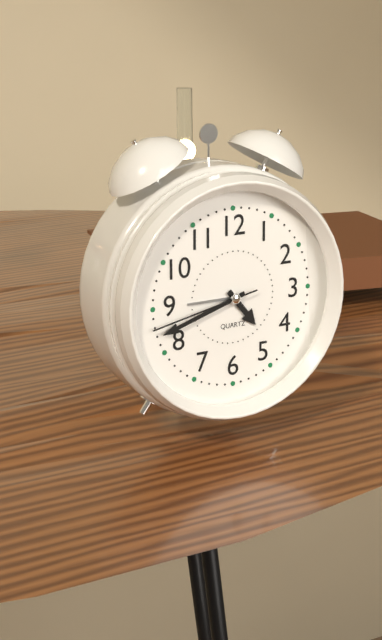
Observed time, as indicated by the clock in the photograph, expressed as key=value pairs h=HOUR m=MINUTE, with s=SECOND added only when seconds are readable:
h=4 m=42 s=43
